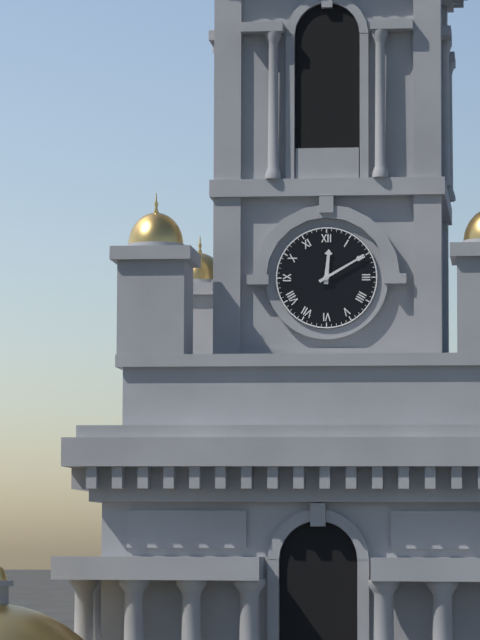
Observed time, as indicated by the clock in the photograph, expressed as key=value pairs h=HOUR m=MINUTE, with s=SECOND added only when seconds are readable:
h=12 m=10
